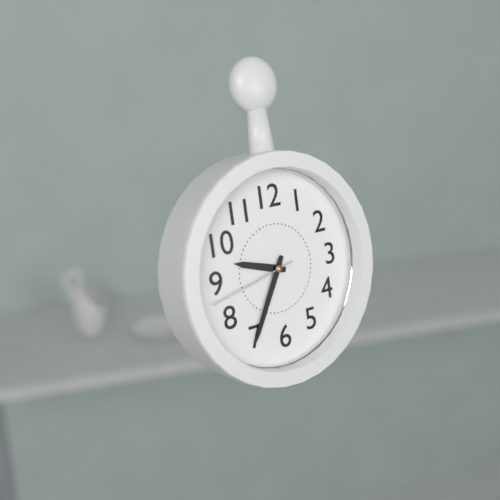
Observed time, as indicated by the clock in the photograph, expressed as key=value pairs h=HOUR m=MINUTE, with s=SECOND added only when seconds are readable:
h=9 m=35 s=43
